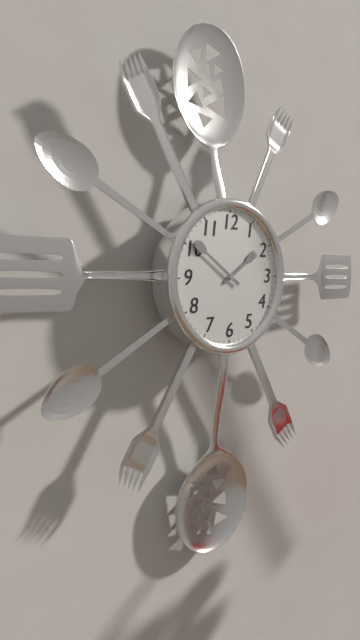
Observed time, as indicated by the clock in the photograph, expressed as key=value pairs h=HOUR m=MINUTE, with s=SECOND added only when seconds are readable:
h=1 m=51
